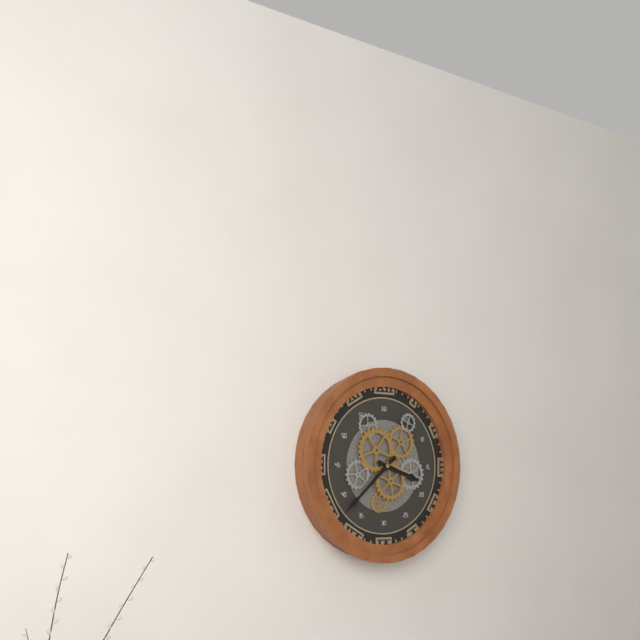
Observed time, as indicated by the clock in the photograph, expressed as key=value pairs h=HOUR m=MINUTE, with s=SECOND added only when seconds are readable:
h=3 m=38
